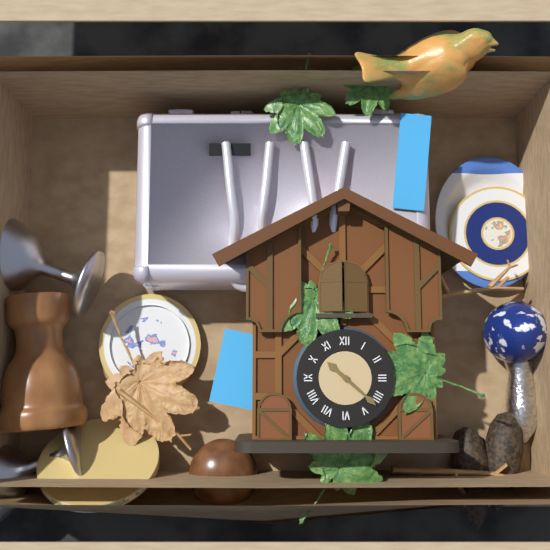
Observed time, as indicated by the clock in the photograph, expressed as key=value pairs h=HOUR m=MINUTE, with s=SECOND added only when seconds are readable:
h=10 m=22
